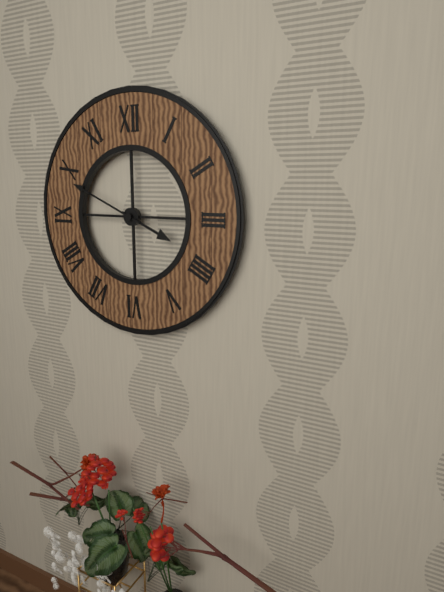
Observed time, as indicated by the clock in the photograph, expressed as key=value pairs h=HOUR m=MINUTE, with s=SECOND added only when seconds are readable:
h=3 m=49
